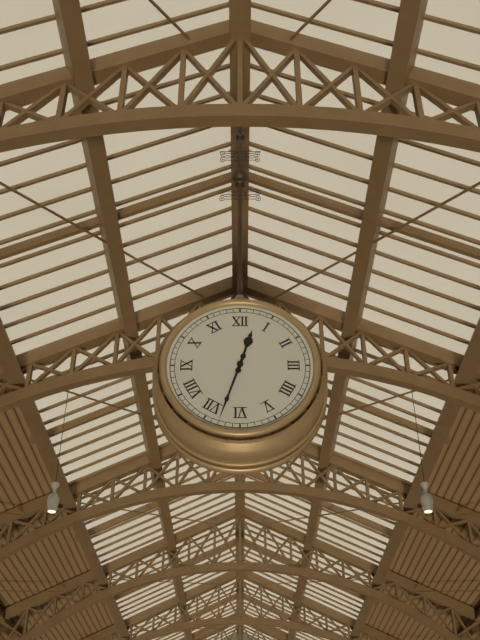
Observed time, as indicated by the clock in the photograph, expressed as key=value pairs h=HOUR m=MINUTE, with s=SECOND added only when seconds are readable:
h=12 m=33
